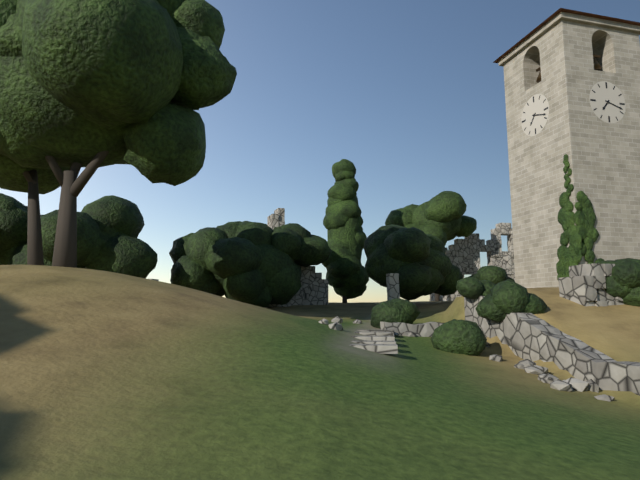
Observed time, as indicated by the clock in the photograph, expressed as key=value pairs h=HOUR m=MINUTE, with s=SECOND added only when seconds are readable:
h=7 m=18
